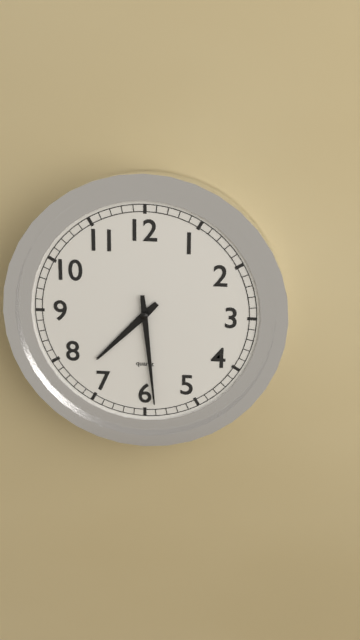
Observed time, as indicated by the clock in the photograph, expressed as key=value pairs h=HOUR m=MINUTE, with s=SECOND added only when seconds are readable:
h=7 m=29
